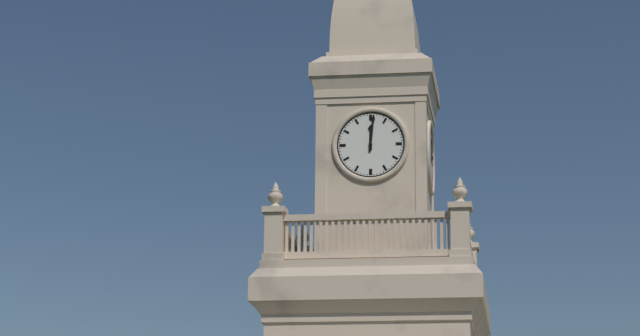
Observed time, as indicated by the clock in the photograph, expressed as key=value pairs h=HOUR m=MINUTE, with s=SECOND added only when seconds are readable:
h=12 m=1
